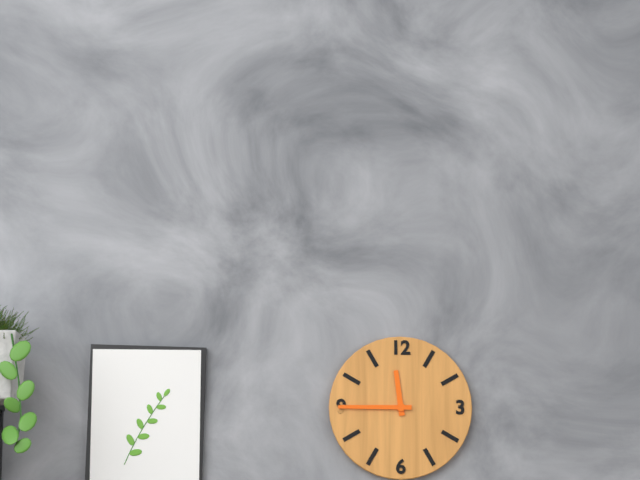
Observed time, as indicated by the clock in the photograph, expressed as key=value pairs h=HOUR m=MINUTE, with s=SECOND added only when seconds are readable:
h=11 m=45
